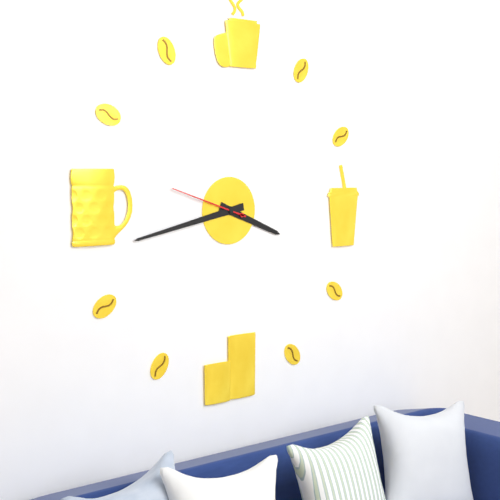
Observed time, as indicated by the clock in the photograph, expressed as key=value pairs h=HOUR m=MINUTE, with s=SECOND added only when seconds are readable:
h=3 m=43 s=48
